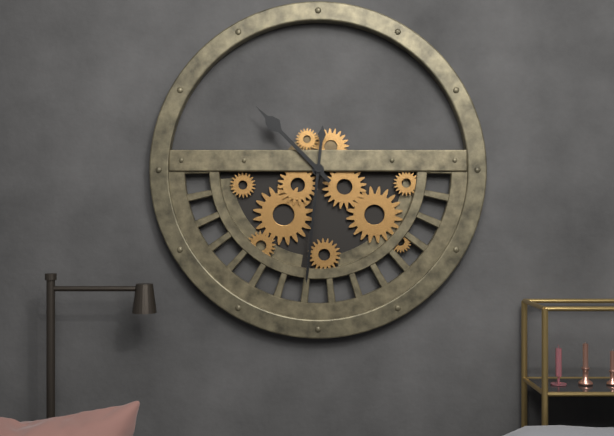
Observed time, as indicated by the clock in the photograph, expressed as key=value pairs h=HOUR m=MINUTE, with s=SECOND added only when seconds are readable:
h=10 m=31
